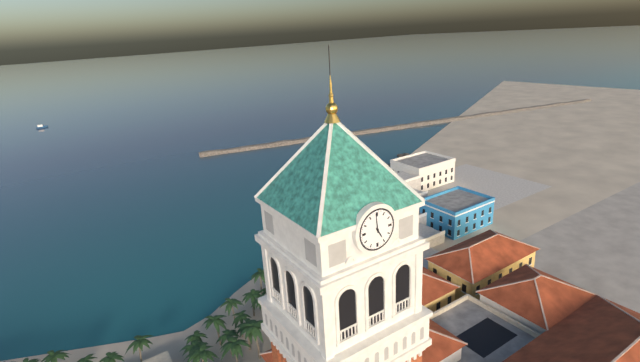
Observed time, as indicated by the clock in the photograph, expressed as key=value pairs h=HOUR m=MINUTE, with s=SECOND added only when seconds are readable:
h=4 m=59
